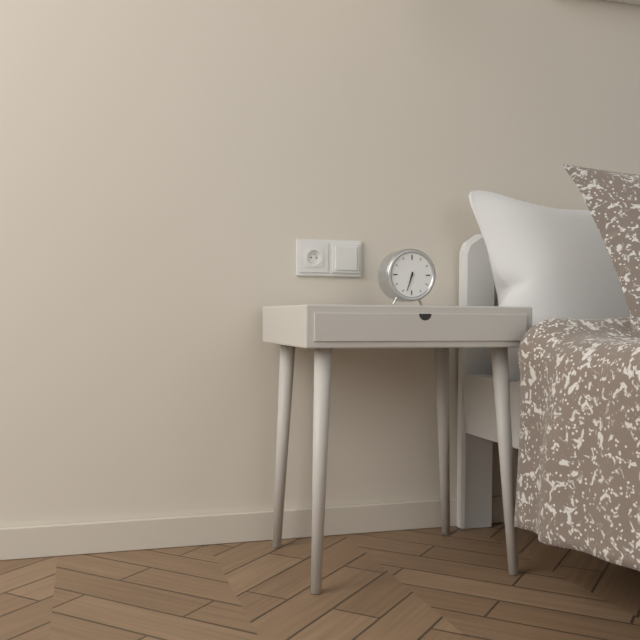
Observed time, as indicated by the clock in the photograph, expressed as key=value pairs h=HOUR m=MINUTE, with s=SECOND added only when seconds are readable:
h=6 m=33
